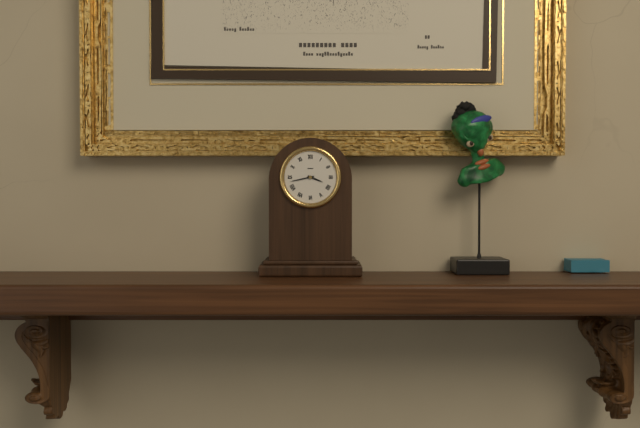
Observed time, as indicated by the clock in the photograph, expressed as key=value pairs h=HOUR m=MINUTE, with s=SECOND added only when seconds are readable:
h=3 m=43
